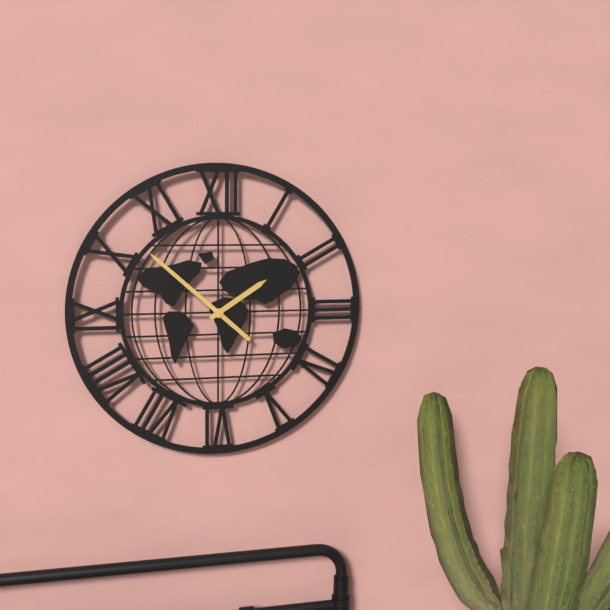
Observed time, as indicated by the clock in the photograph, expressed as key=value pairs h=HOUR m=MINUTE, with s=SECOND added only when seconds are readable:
h=1 m=52
